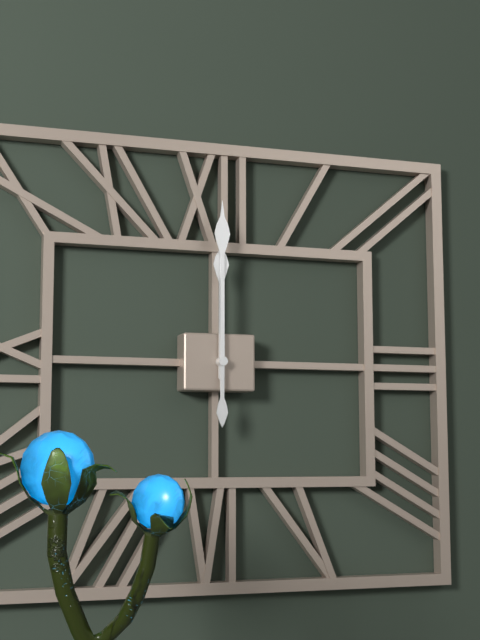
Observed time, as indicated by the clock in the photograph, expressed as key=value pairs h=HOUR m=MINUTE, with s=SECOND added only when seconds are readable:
h=12 m=0
